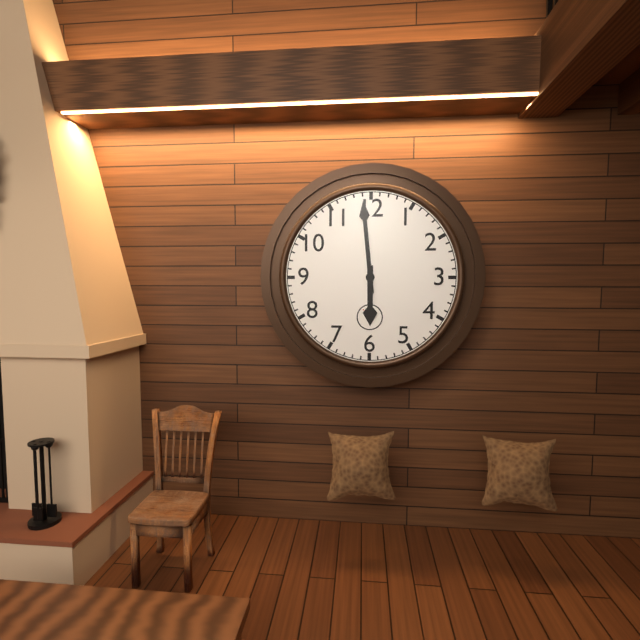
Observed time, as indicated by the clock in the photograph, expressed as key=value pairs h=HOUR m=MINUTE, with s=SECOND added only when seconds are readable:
h=5 m=59
